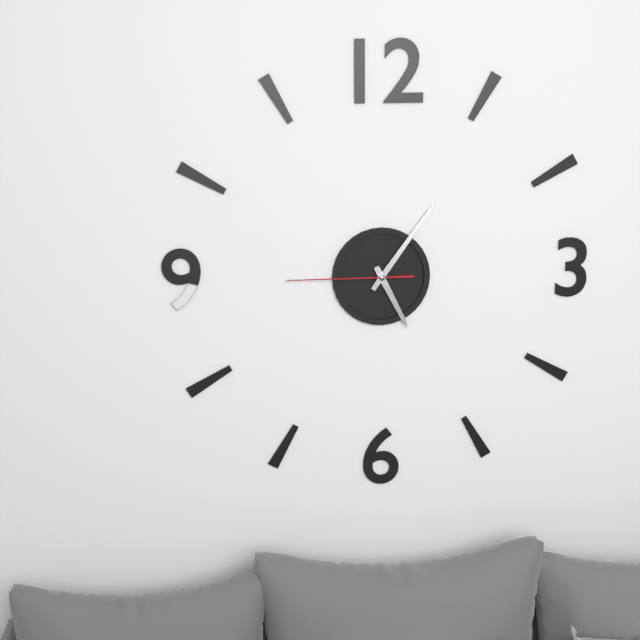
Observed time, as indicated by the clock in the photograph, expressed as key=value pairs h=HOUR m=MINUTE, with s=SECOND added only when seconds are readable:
h=5 m=6 s=45
